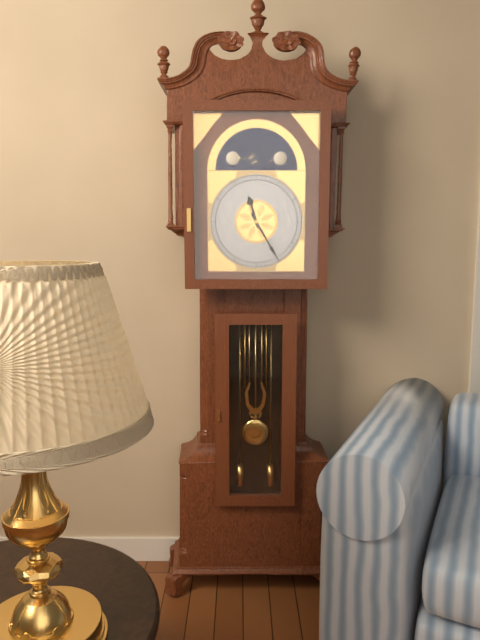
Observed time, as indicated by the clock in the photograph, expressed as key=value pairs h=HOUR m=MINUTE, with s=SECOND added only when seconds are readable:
h=11 m=25
